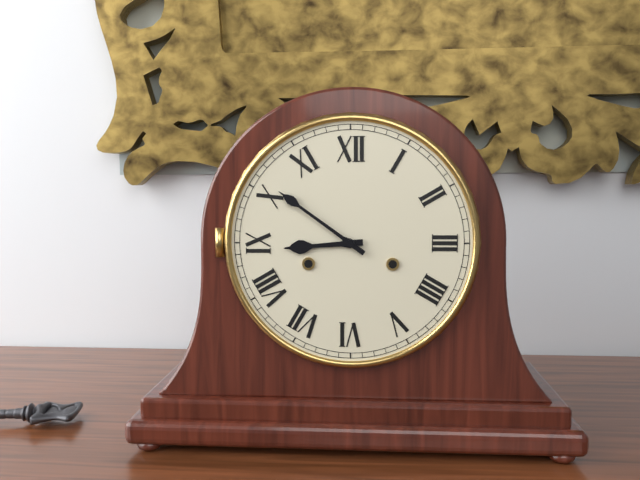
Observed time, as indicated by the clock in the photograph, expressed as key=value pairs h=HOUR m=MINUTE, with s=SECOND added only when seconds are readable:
h=8 m=51
